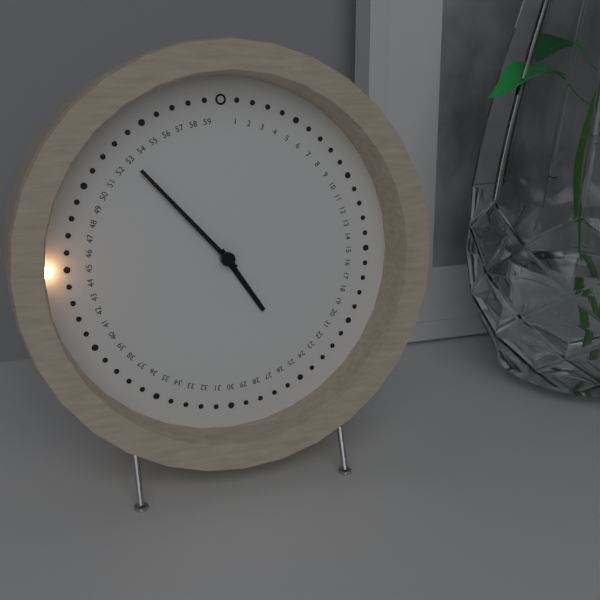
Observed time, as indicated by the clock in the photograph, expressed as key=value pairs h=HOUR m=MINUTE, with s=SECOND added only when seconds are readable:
h=4 m=53
